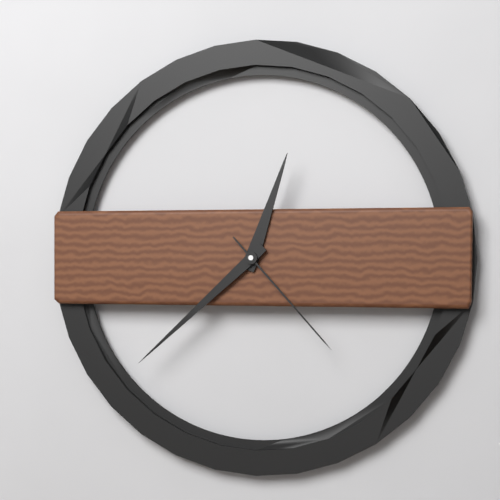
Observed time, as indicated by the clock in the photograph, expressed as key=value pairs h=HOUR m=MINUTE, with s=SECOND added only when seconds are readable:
h=12 m=38 s=23
